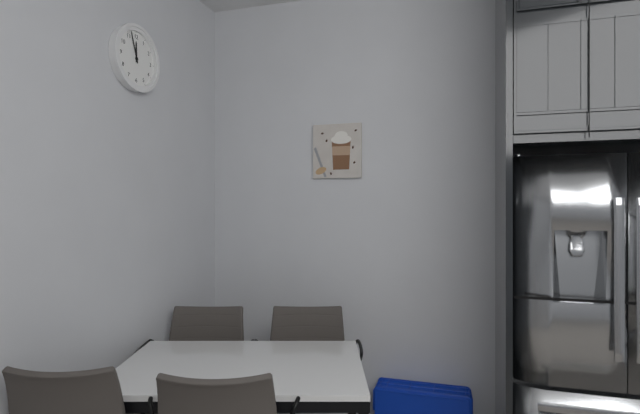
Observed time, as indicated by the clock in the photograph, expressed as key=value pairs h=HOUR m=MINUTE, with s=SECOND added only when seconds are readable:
h=11 m=57
